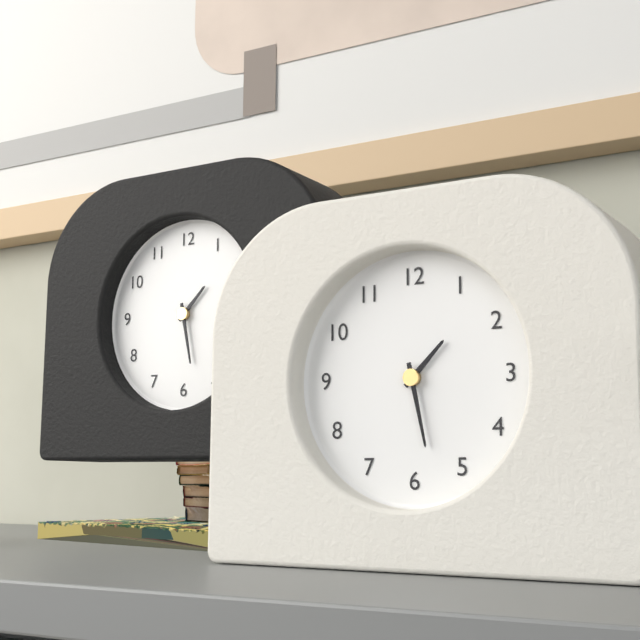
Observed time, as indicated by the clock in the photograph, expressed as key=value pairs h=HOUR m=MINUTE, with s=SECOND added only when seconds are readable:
h=1 m=28
